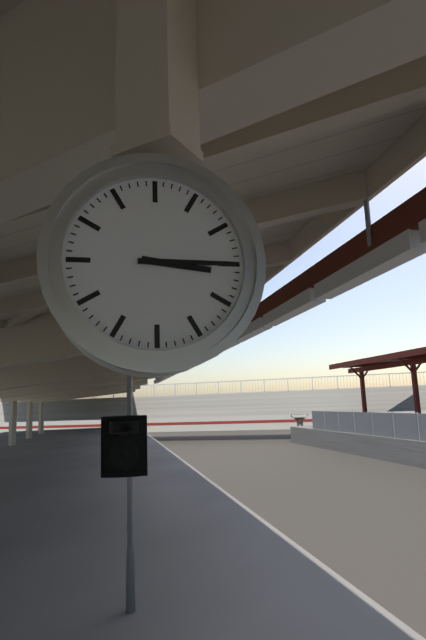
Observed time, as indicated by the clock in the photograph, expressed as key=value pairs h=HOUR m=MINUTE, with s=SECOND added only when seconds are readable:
h=3 m=15
